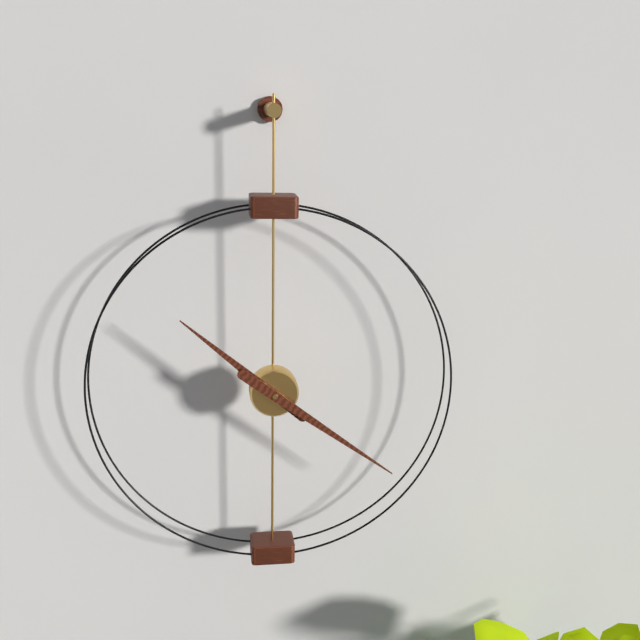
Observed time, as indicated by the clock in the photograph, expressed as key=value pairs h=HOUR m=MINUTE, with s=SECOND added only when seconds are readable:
h=10 m=21
